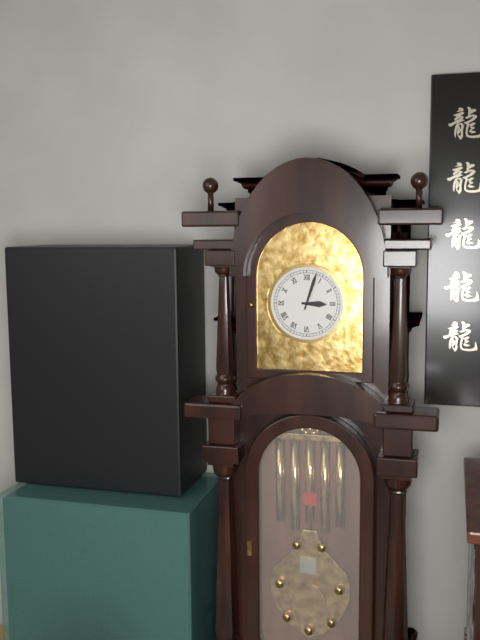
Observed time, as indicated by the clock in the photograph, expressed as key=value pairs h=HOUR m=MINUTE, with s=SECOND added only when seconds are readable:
h=3 m=3
